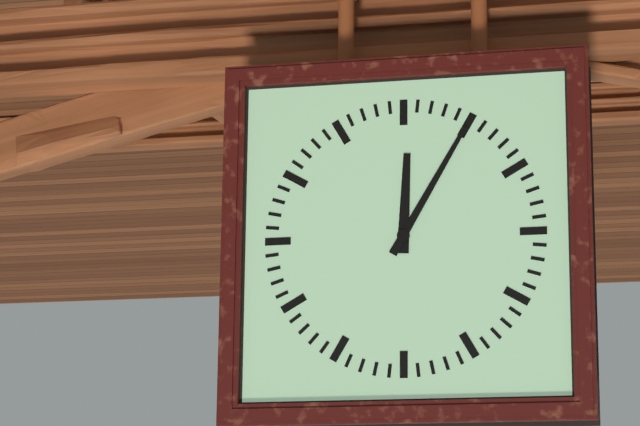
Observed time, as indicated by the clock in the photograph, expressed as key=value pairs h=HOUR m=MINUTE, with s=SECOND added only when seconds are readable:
h=12 m=5
